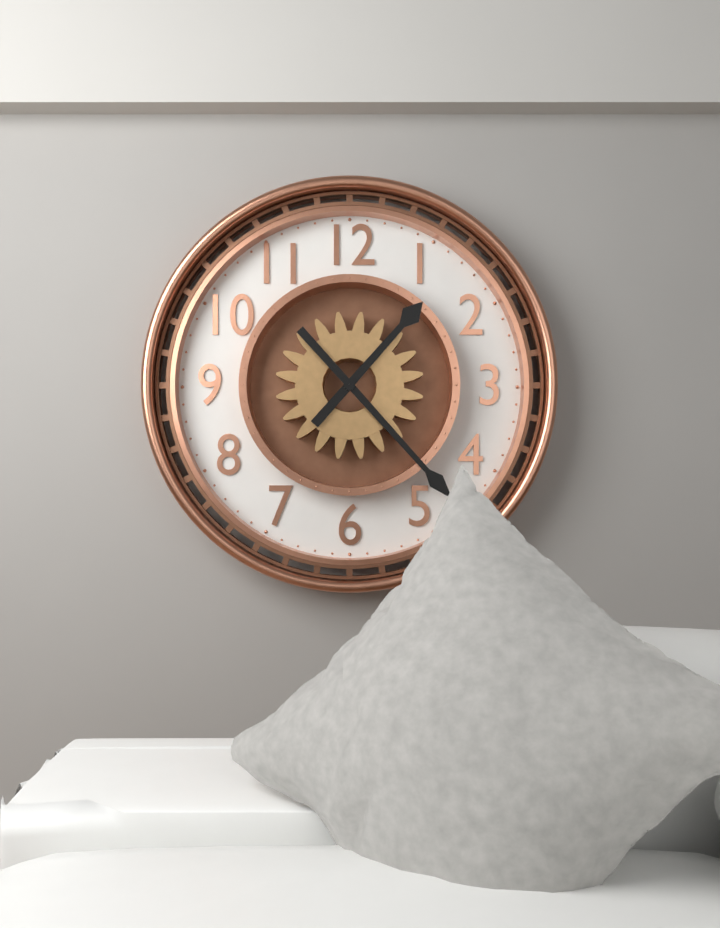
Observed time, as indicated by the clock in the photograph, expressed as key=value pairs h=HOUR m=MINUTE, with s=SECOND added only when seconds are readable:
h=1 m=23
